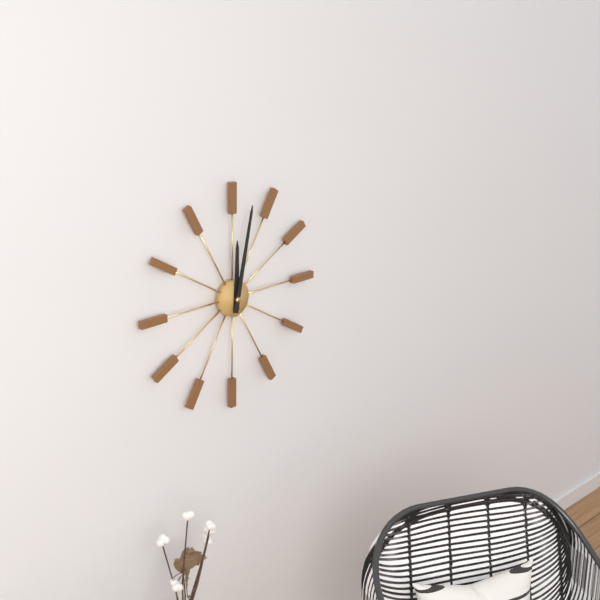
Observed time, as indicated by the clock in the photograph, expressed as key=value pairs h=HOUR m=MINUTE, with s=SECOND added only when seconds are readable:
h=12 m=2
